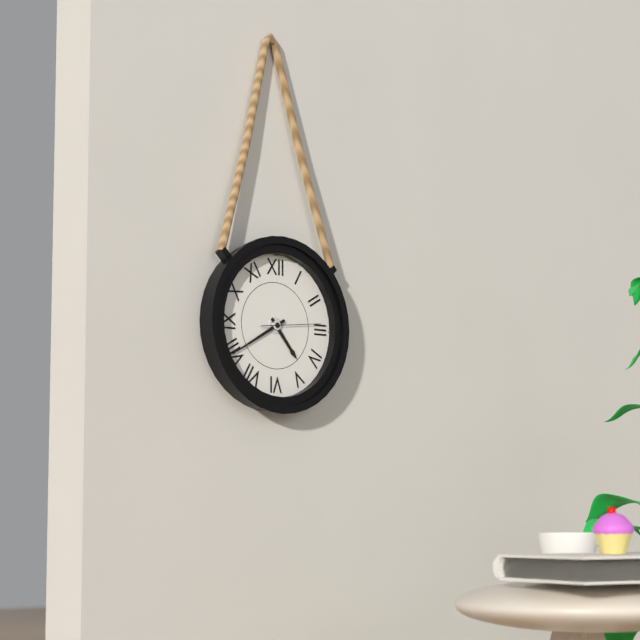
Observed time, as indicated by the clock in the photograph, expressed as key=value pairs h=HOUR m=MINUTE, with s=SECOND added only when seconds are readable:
h=4 m=40 s=14
